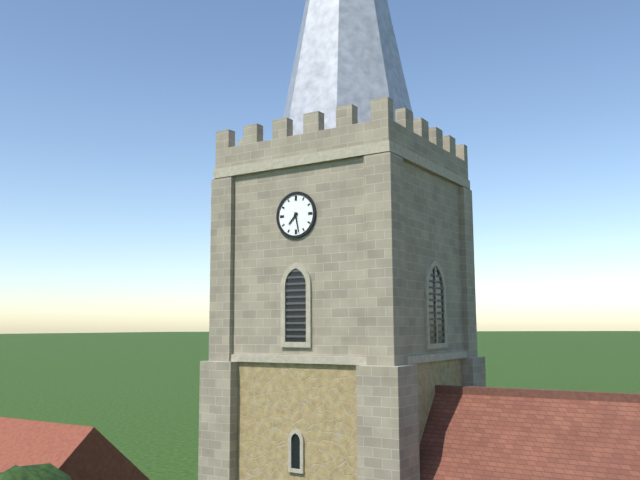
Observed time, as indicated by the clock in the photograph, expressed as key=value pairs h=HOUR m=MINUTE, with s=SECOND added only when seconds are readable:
h=7 m=28
